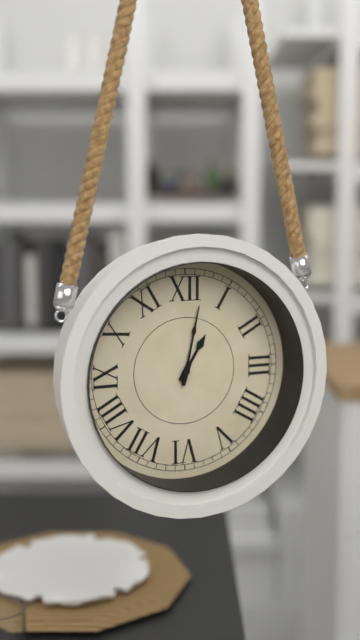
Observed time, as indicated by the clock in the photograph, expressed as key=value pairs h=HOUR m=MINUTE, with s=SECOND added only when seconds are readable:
h=1 m=2
